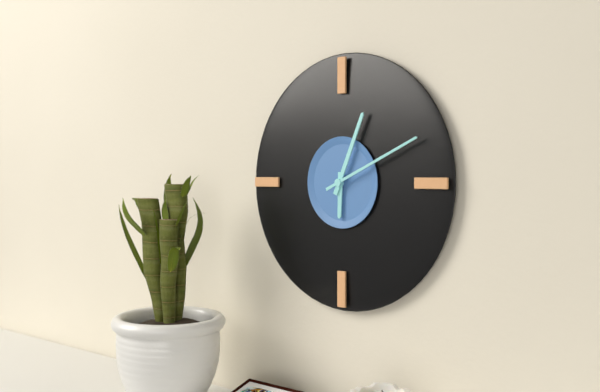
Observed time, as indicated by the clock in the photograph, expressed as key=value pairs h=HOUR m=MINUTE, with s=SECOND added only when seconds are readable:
h=6 m=4 s=11
